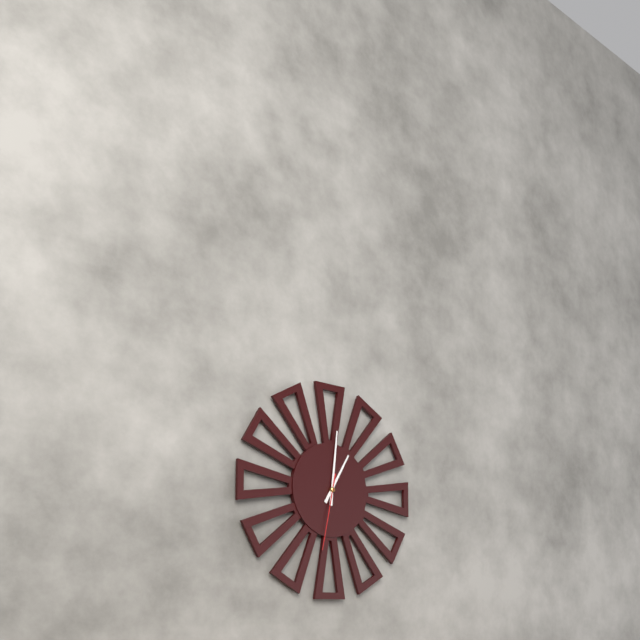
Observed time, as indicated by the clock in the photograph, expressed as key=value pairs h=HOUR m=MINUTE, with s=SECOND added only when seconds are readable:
h=1 m=1 s=32
